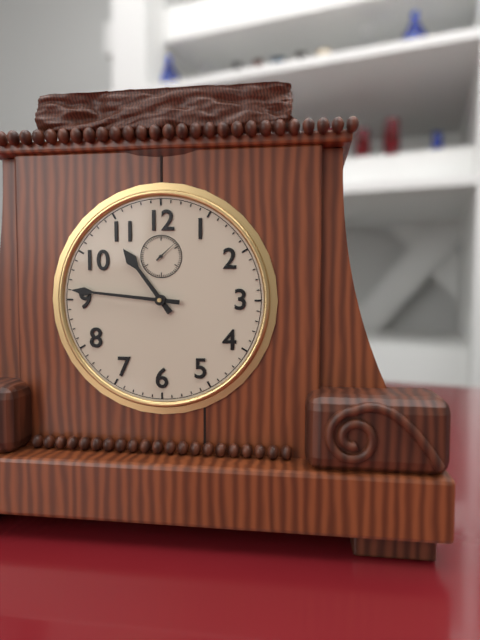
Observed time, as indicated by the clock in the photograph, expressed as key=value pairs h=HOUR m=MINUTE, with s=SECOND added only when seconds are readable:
h=10 m=46
